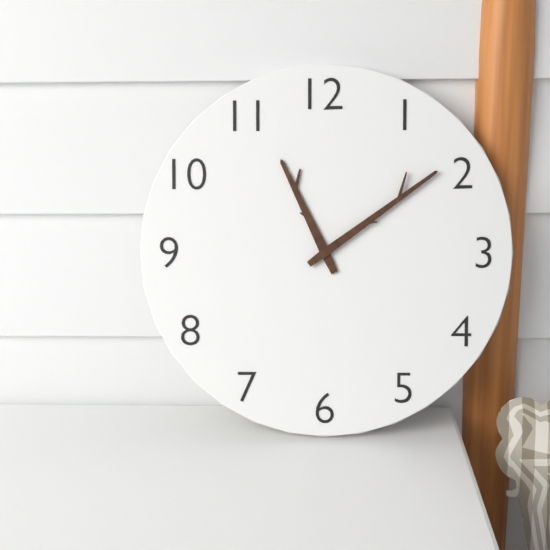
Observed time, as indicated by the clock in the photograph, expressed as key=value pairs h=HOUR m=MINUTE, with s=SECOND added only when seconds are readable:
h=11 m=9
